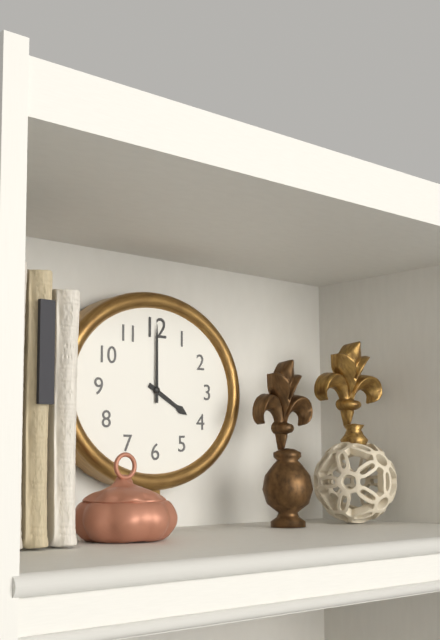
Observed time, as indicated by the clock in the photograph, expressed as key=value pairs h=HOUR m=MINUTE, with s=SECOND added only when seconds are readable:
h=4 m=0
